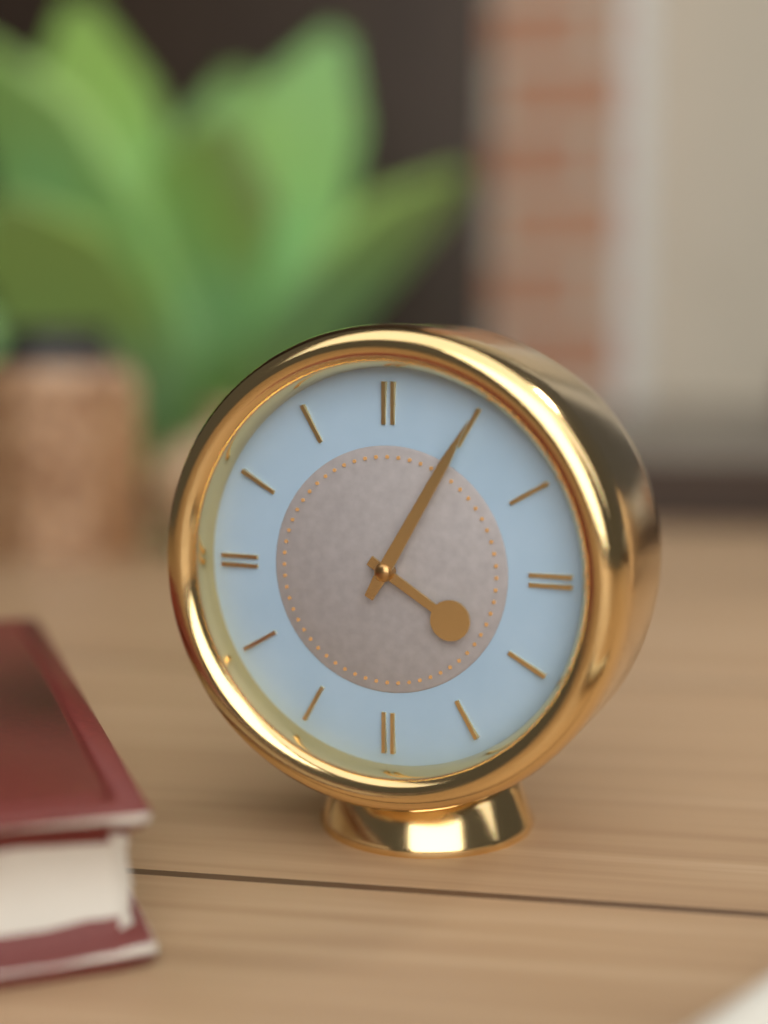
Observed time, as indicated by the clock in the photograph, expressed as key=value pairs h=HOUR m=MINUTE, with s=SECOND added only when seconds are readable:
h=4 m=5
